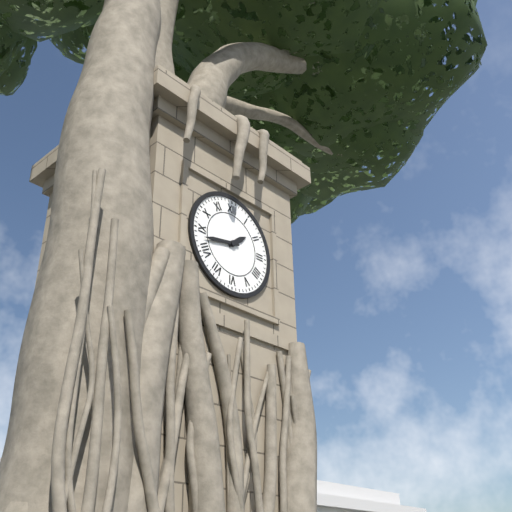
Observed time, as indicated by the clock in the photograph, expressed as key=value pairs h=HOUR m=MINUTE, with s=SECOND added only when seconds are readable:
h=1 m=43
